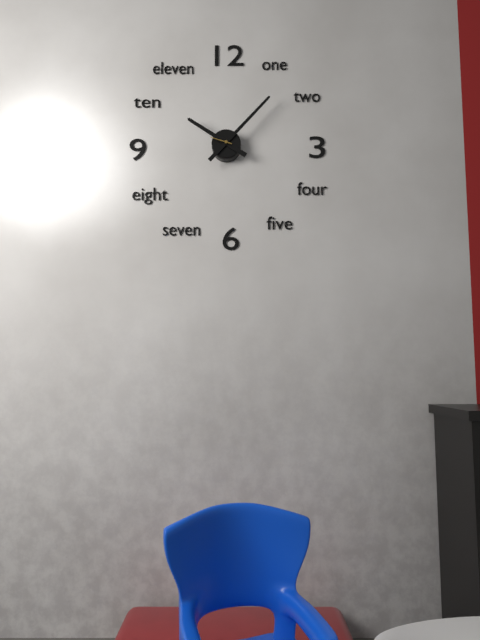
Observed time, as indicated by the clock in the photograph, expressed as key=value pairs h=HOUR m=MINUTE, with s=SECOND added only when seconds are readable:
h=10 m=7
